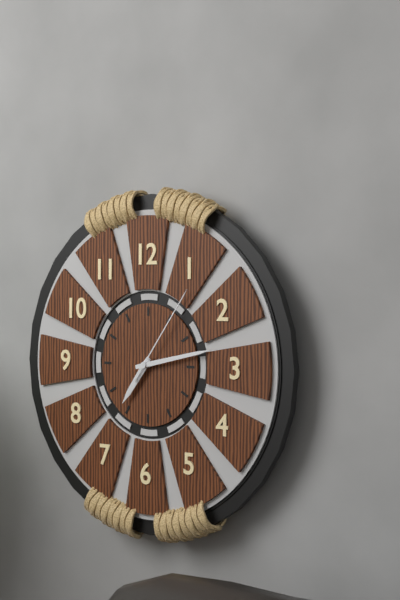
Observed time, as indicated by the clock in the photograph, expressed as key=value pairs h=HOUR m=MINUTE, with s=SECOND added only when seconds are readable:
h=7 m=13 s=6
